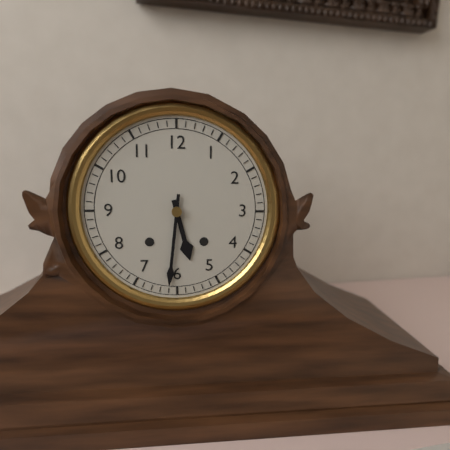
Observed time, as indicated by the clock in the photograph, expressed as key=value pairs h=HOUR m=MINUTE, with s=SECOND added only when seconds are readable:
h=5 m=31
